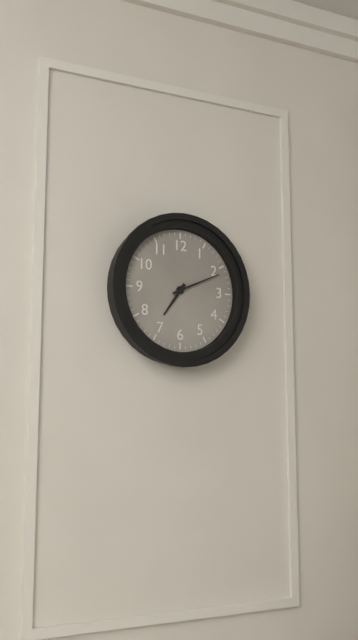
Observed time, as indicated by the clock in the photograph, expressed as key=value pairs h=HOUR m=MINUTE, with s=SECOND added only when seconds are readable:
h=7 m=11
